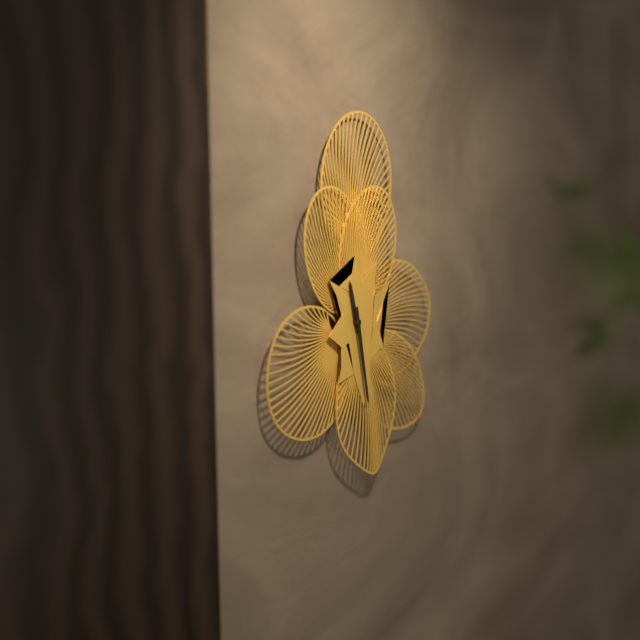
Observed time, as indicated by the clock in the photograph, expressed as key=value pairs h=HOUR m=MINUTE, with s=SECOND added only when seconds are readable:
h=11 m=28
